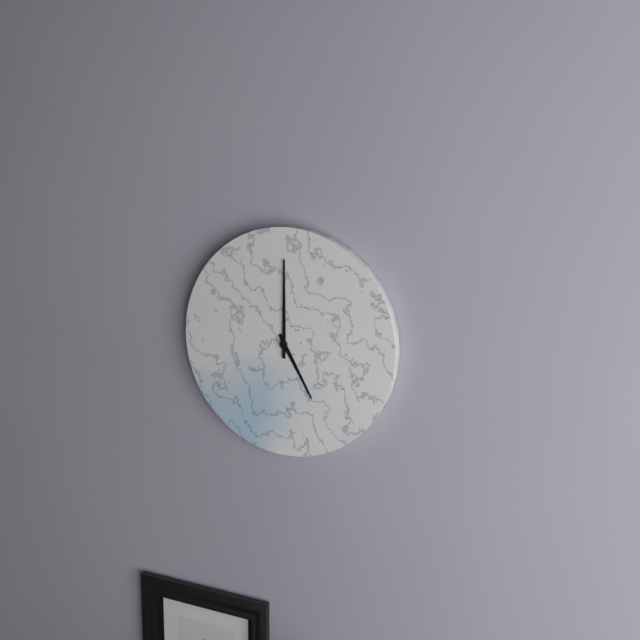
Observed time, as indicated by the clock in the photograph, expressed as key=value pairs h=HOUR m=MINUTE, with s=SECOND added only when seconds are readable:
h=5 m=0
